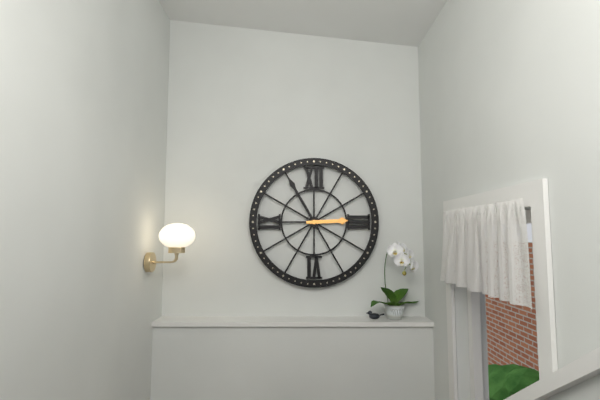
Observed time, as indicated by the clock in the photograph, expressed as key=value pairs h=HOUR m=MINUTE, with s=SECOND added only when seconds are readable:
h=2 m=55
